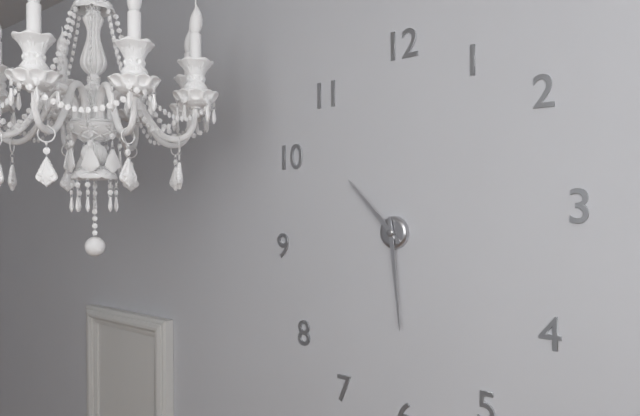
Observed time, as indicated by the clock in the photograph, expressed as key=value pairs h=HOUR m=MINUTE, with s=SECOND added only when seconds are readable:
h=10 m=29
